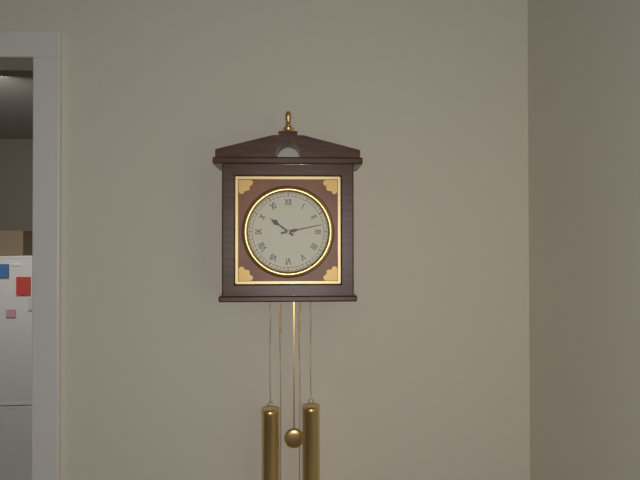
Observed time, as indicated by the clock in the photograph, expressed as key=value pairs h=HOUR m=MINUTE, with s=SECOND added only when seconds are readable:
h=10 m=13
